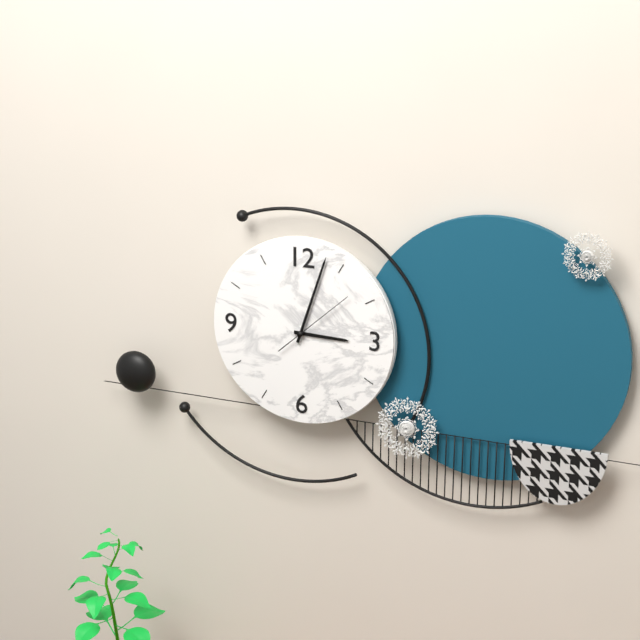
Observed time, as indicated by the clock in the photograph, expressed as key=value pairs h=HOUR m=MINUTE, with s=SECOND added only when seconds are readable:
h=3 m=3 s=8
